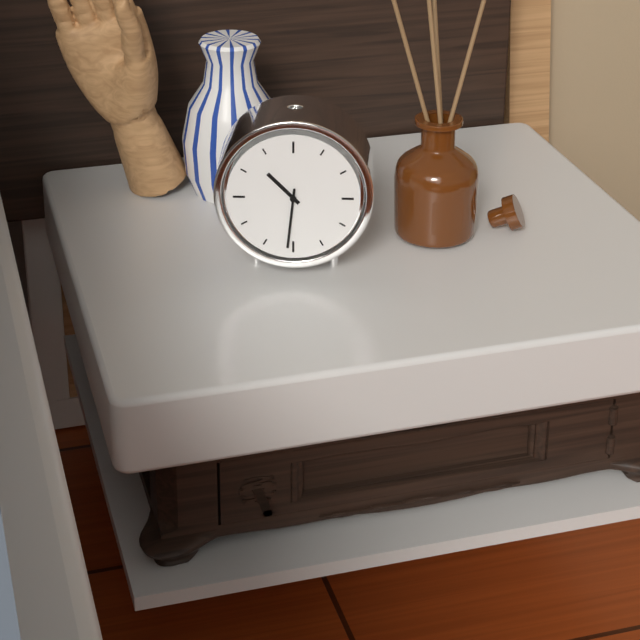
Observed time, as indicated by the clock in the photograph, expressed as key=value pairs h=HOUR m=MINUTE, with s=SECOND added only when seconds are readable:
h=10 m=31
